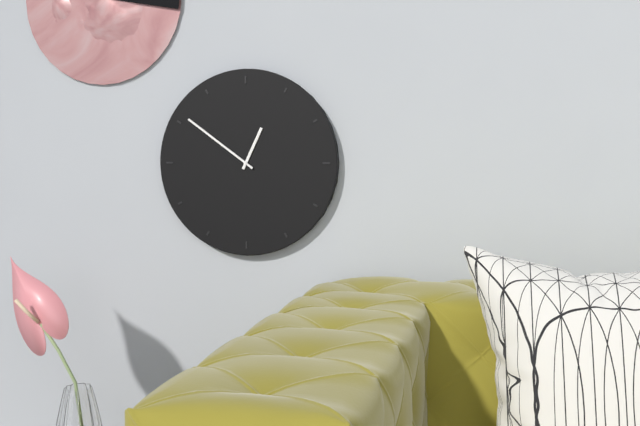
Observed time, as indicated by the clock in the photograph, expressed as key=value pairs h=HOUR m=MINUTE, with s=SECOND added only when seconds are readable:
h=12 m=51
